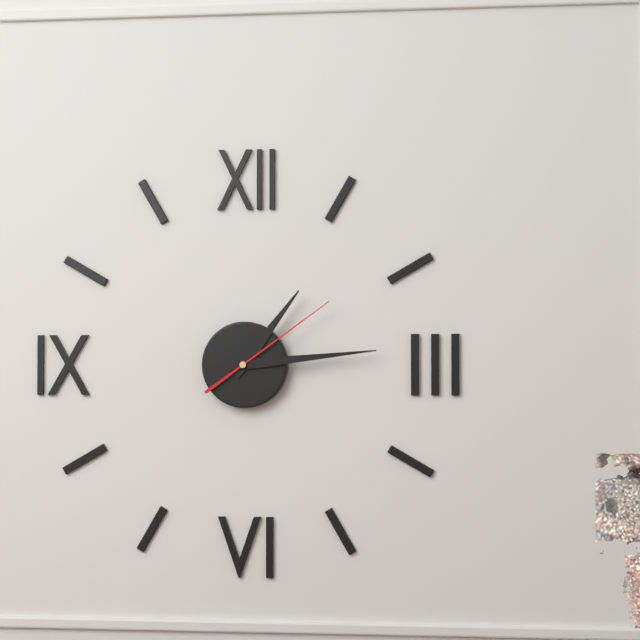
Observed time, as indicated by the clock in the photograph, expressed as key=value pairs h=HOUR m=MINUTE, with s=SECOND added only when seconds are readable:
h=1 m=14 s=9
